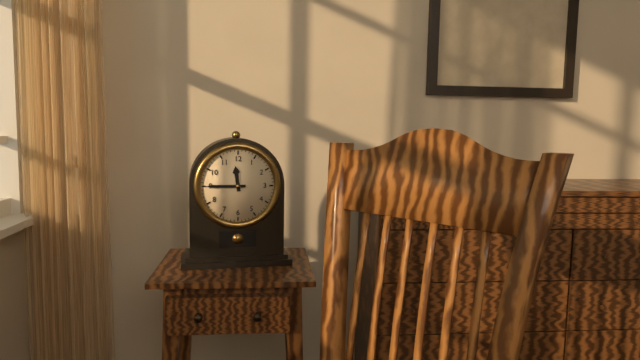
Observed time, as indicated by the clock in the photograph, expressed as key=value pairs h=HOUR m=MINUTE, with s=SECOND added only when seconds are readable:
h=11 m=45
